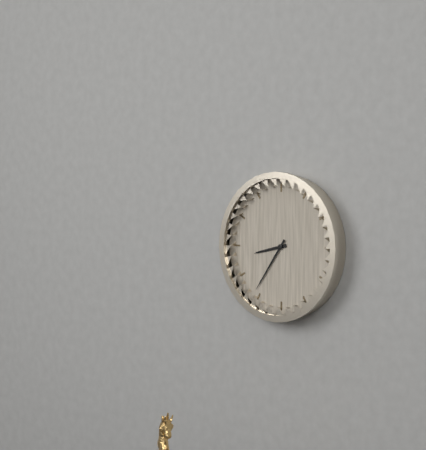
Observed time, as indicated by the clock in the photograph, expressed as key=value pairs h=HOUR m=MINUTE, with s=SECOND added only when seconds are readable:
h=8 m=36
